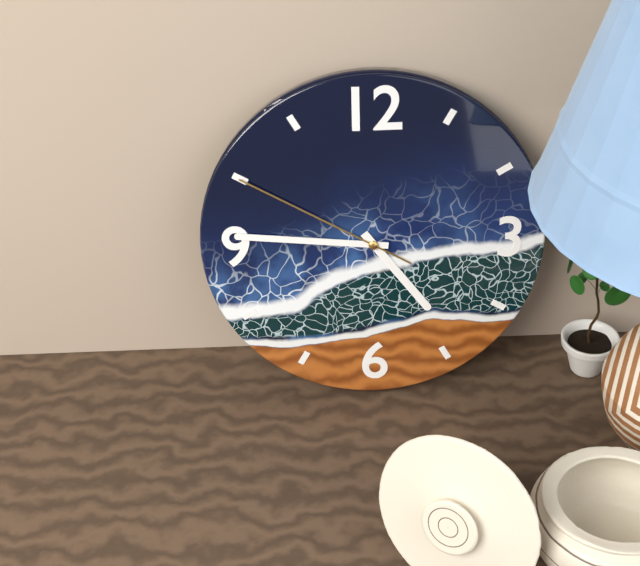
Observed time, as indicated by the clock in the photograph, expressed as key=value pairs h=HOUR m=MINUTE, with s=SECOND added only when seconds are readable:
h=4 m=46 s=50
